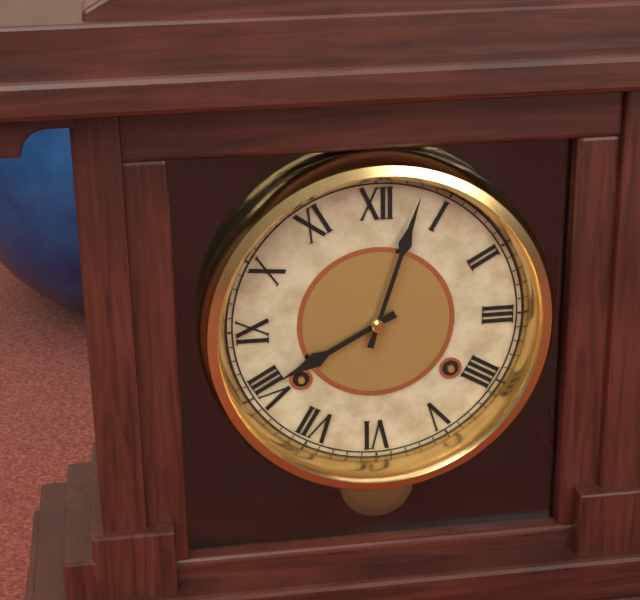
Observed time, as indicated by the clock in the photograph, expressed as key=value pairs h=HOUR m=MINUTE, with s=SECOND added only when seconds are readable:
h=8 m=3
